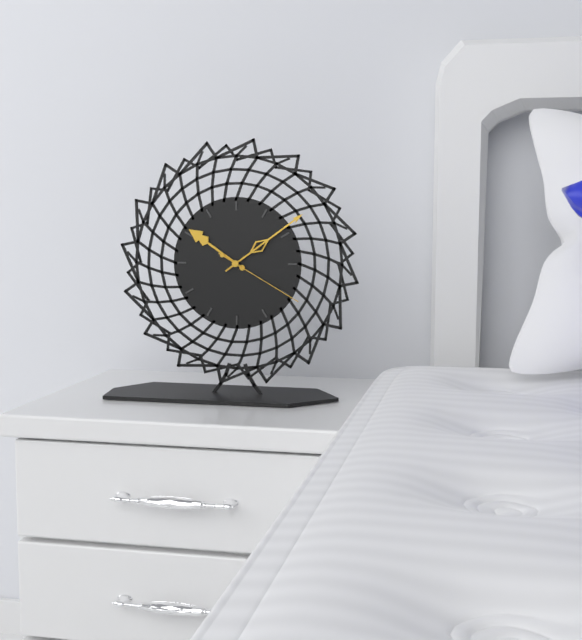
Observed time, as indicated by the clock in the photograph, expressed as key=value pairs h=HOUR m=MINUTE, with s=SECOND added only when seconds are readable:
h=10 m=9 s=20
